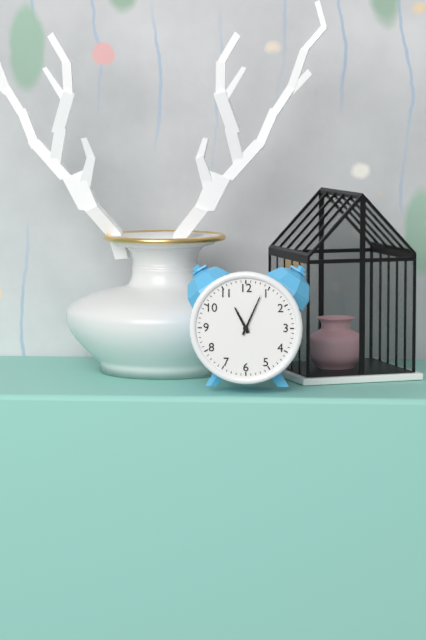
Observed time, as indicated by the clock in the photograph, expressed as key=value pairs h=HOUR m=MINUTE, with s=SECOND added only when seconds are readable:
h=11 m=4
